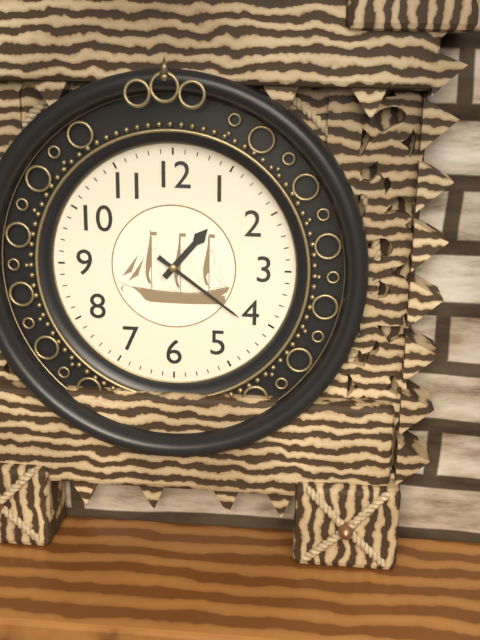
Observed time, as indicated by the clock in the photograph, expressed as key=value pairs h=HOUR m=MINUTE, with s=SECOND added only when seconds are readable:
h=1 m=21
